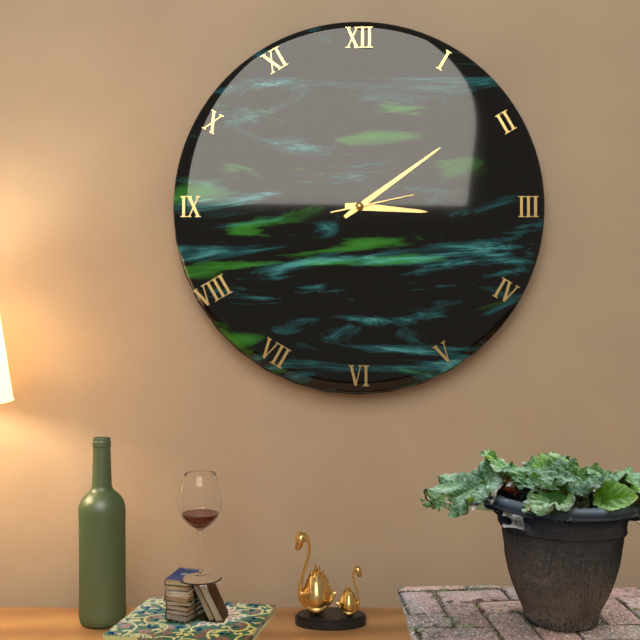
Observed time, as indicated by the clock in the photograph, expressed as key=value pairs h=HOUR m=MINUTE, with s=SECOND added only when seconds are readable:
h=3 m=9 s=13
